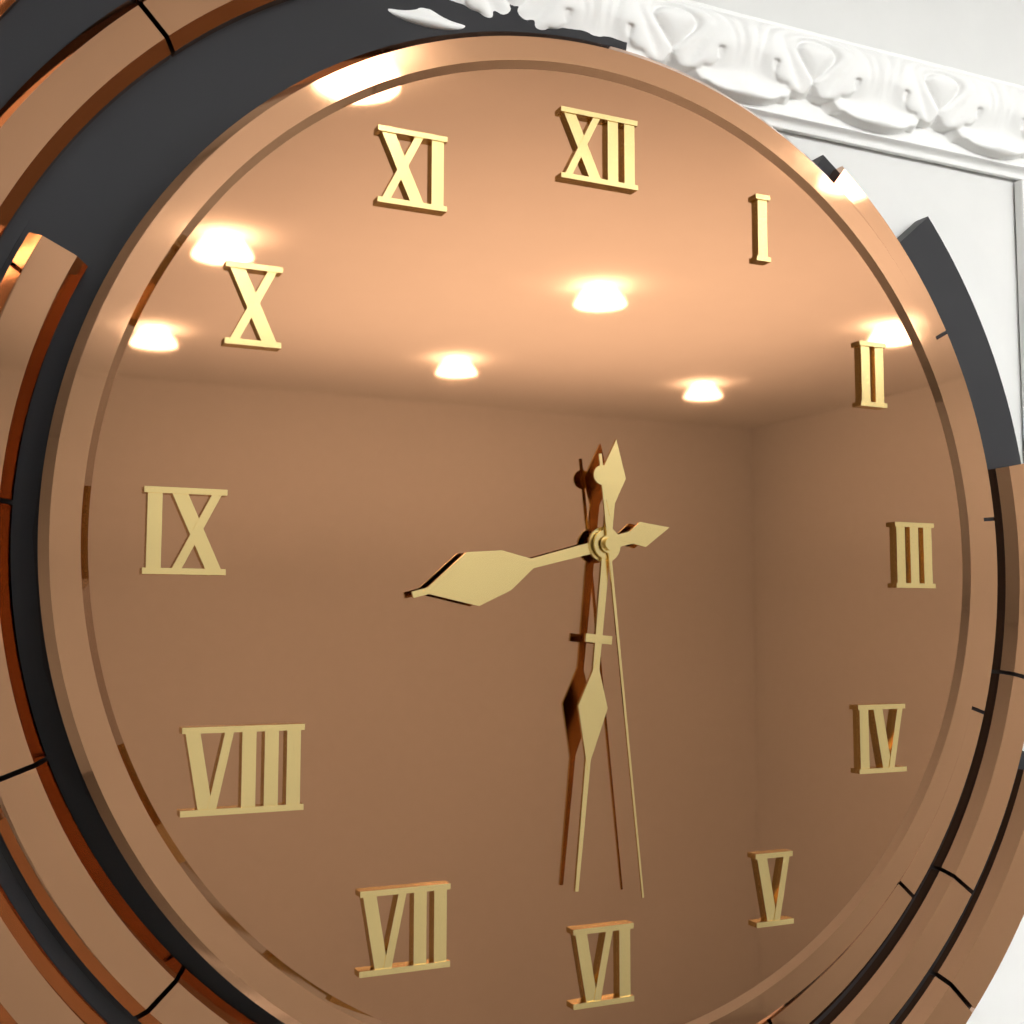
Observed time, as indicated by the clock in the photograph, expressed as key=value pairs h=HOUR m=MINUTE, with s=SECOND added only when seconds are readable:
h=8 m=31 s=29
